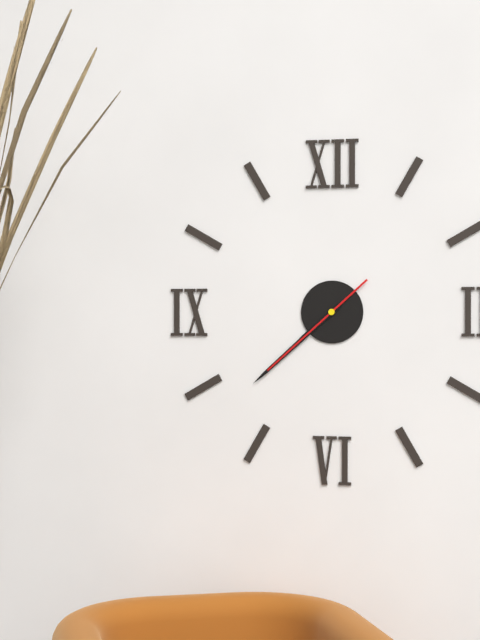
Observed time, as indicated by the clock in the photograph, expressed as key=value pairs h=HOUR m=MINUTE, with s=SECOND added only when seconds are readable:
h=7 m=38 s=38
